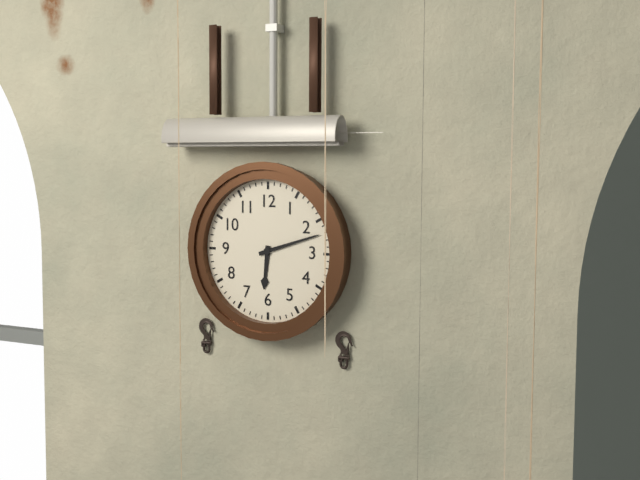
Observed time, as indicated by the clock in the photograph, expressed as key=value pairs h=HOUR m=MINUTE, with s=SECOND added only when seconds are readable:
h=6 m=12
